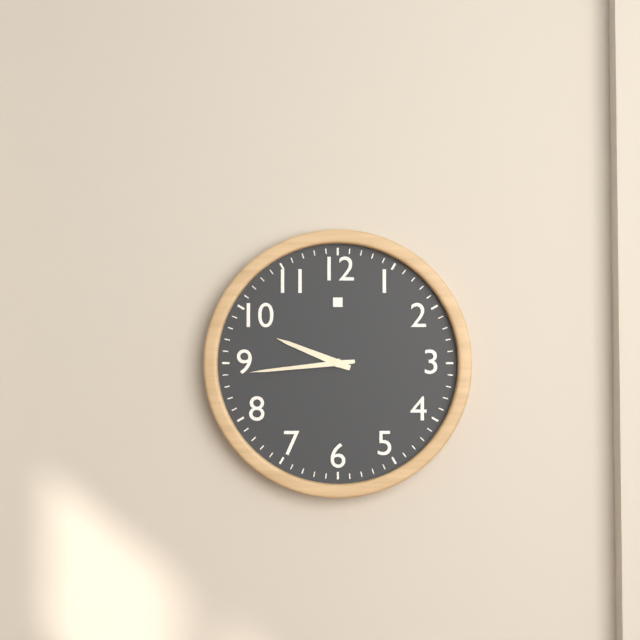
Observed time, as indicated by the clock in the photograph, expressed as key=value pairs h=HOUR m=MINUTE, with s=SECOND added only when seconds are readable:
h=9 m=44
